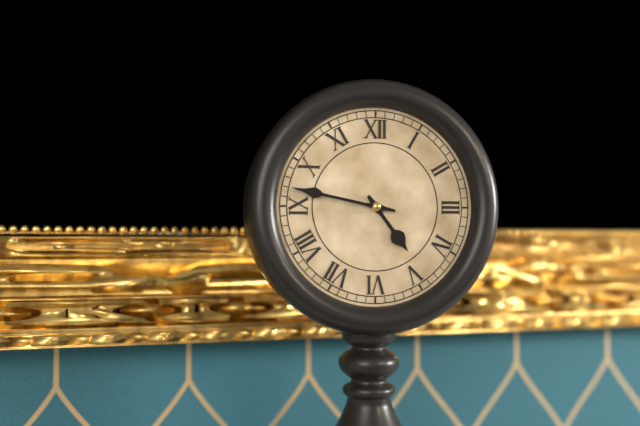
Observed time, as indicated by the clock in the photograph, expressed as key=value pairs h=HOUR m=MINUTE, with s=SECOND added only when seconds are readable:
h=4 m=47
